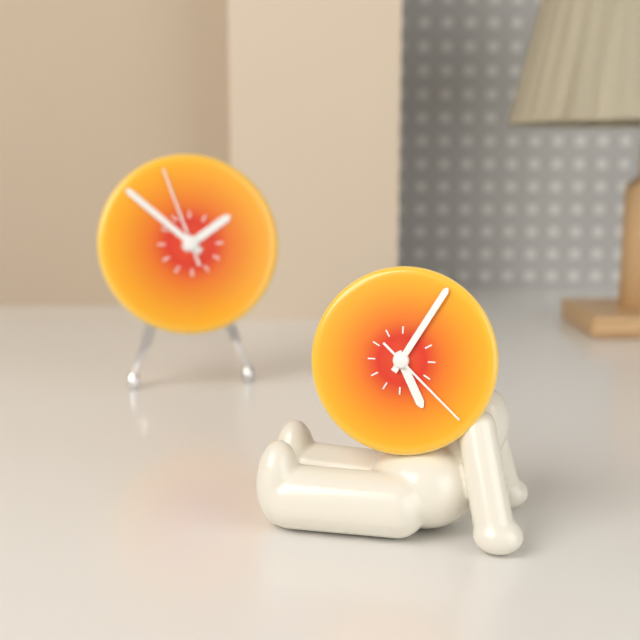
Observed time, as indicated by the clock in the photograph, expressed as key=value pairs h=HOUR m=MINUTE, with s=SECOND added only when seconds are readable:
h=5 m=5 s=22
